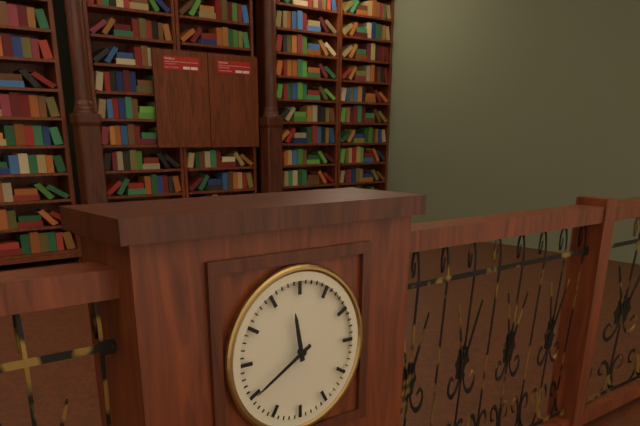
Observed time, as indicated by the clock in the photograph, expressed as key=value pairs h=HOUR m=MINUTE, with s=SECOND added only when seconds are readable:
h=11 m=40
